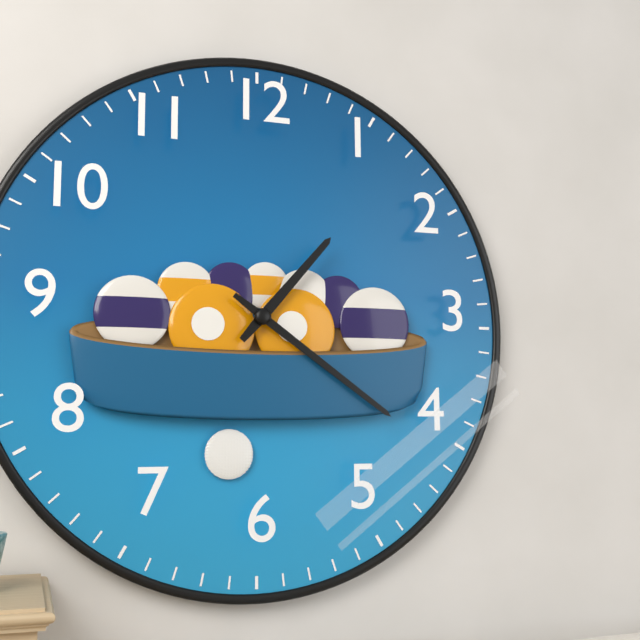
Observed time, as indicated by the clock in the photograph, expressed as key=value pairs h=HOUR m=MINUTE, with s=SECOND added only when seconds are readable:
h=1 m=21
